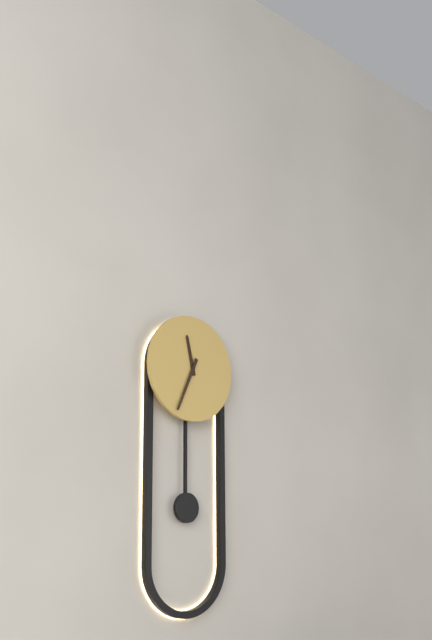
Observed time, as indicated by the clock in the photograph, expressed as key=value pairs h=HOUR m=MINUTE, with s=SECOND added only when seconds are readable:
h=11 m=34
